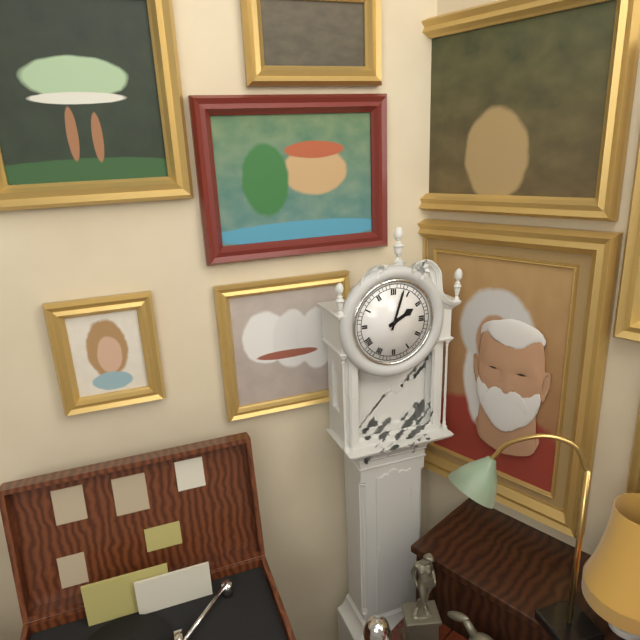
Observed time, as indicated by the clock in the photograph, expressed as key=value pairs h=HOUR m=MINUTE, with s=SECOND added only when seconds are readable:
h=2 m=3
